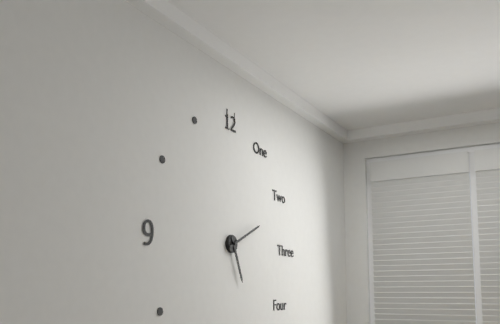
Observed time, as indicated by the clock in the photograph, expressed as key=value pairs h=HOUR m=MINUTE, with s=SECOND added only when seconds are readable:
h=5 m=11
